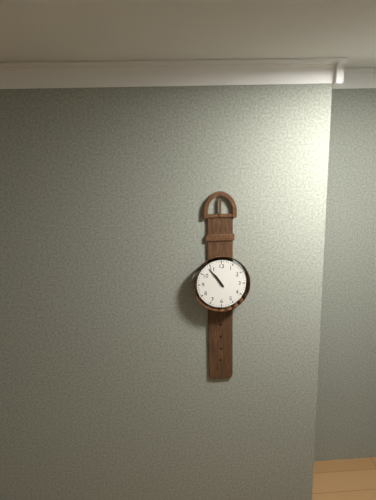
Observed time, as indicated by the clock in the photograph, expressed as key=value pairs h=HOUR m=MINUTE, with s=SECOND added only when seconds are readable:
h=10 m=54
